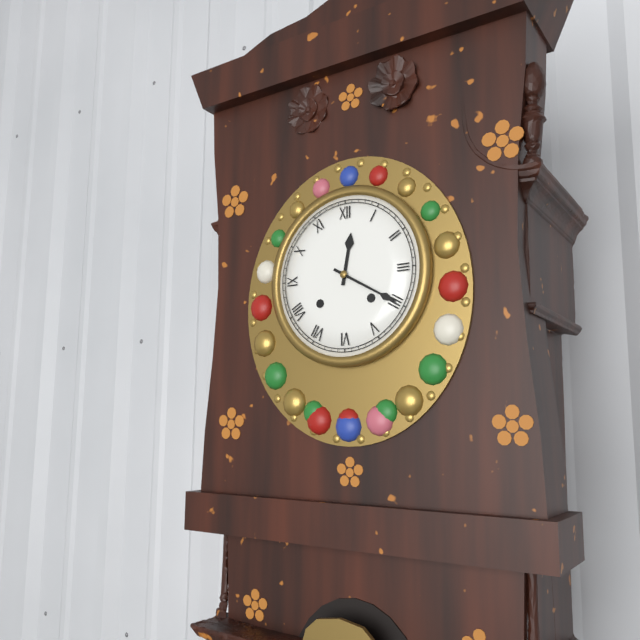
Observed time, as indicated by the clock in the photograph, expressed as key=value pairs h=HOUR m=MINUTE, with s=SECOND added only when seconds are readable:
h=12 m=20
